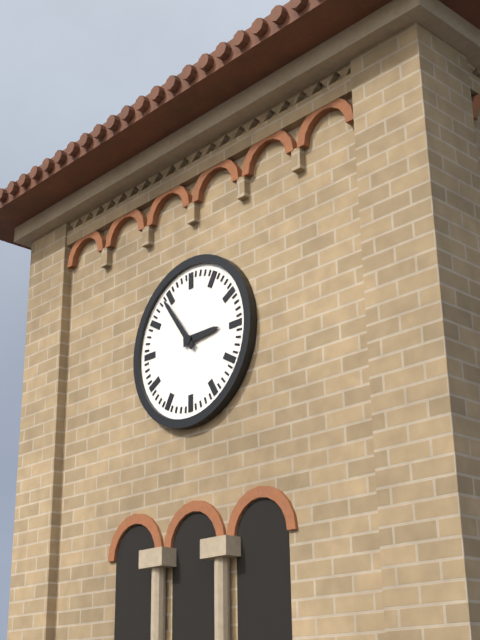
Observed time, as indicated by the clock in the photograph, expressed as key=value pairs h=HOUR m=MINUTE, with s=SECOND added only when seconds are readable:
h=2 m=54
